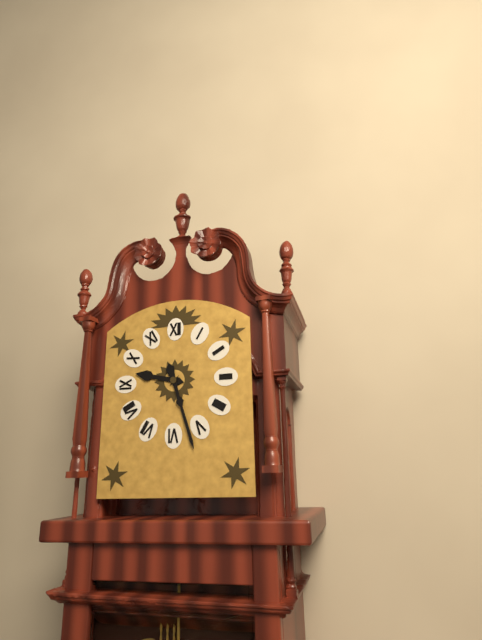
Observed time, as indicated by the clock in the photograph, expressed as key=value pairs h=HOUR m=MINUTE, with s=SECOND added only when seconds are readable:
h=9 m=27
